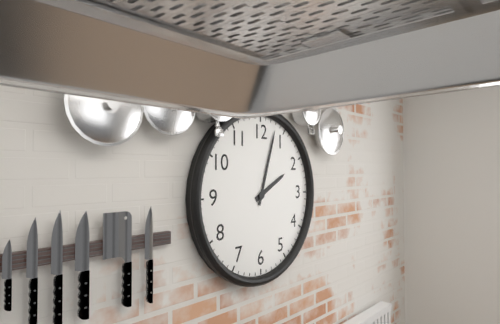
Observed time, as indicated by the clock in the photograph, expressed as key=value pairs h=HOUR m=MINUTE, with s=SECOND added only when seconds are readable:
h=2 m=3
